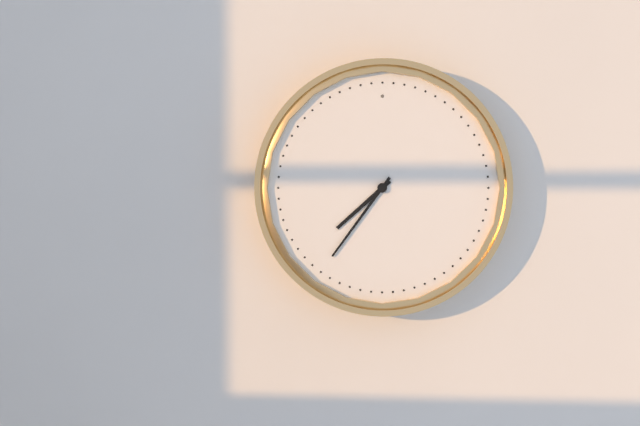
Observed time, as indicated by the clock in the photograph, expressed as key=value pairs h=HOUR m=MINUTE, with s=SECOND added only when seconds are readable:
h=7 m=36
